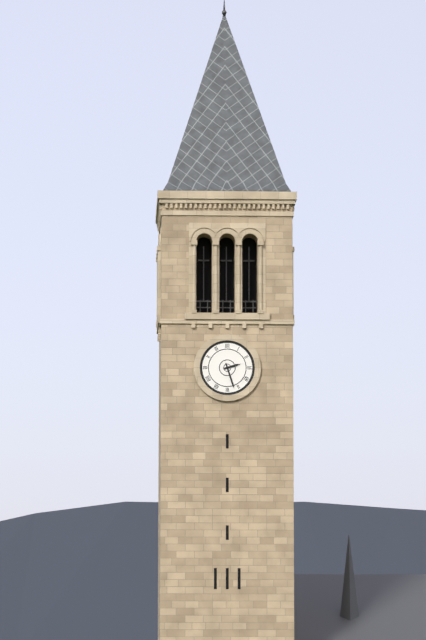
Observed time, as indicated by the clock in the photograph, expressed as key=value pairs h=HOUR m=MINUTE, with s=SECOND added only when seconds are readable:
h=2 m=27
